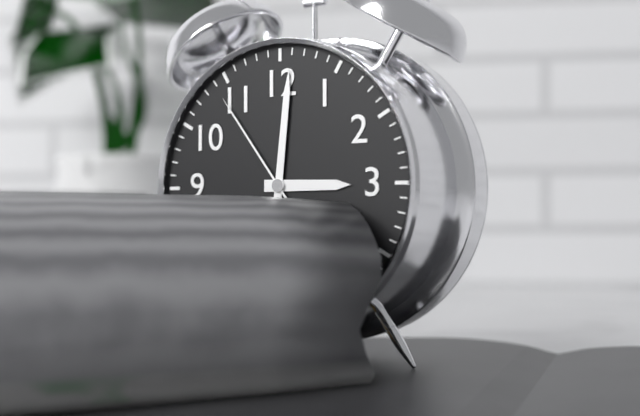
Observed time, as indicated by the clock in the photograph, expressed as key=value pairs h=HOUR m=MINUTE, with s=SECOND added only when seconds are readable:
h=3 m=1 s=54
